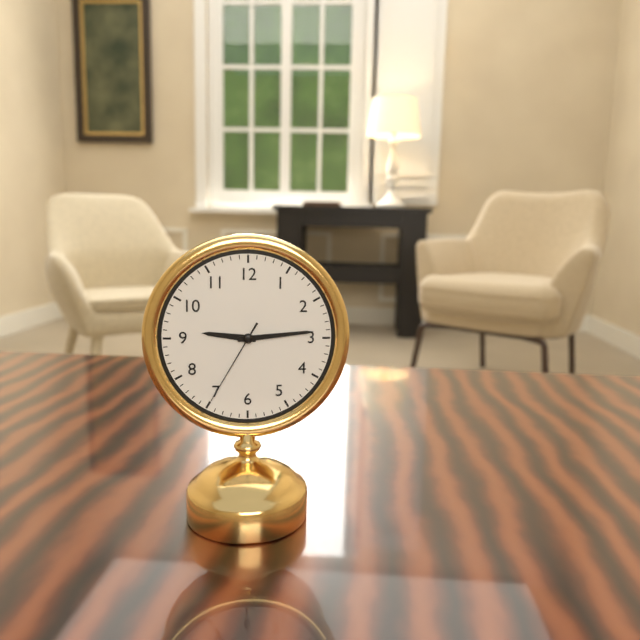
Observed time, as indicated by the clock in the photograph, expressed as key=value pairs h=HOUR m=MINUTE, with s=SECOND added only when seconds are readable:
h=9 m=14 s=35
